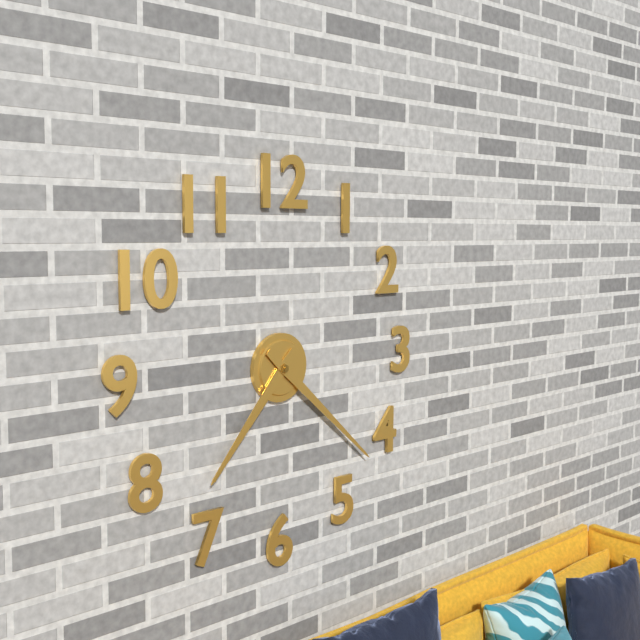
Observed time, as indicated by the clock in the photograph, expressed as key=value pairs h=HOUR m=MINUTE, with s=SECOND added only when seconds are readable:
h=7 m=22
